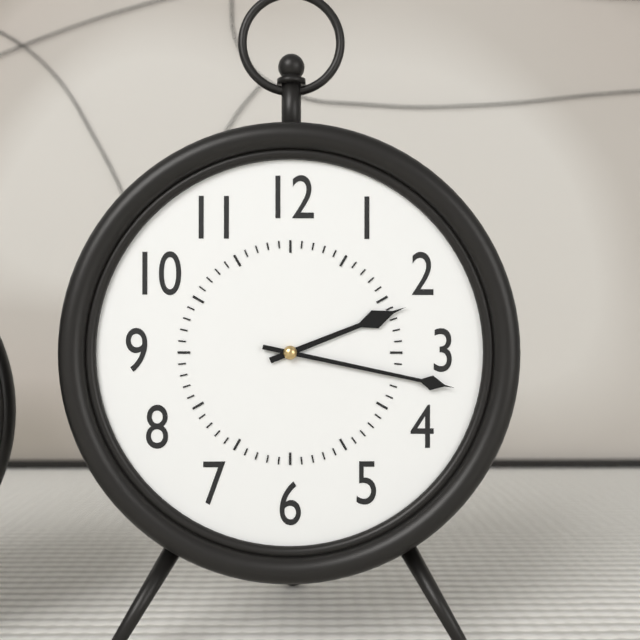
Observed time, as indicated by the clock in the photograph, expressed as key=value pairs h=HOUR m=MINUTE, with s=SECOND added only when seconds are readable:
h=2 m=17
